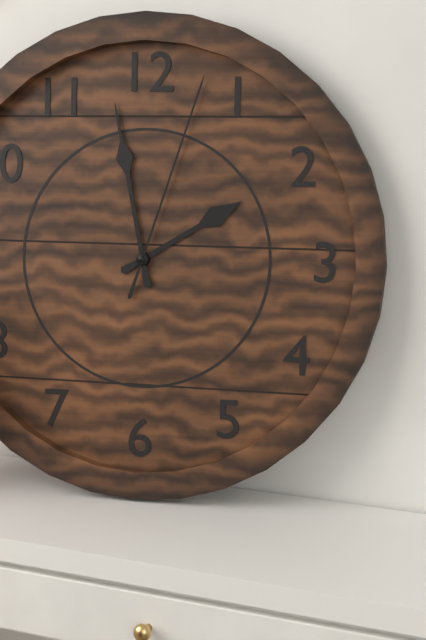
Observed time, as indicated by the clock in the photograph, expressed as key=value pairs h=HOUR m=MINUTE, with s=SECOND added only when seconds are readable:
h=1 m=58 s=3
